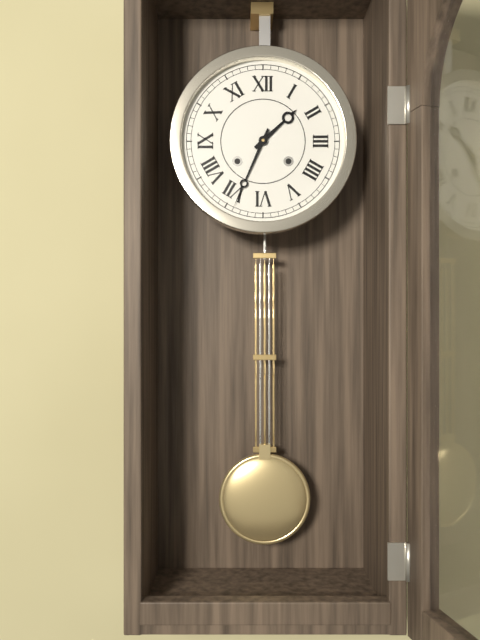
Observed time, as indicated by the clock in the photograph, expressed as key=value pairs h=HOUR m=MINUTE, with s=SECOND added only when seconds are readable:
h=1 m=34
